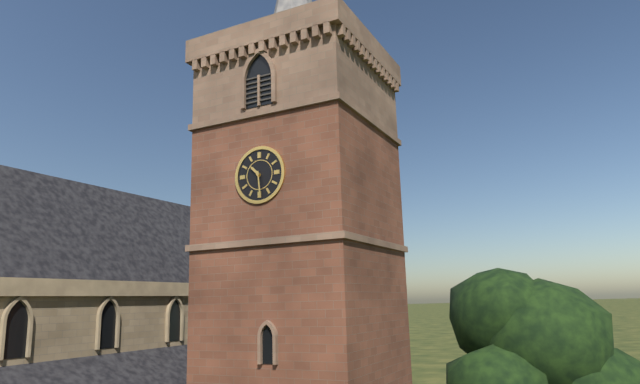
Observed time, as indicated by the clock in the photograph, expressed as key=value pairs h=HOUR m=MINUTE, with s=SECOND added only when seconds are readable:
h=10 m=29
